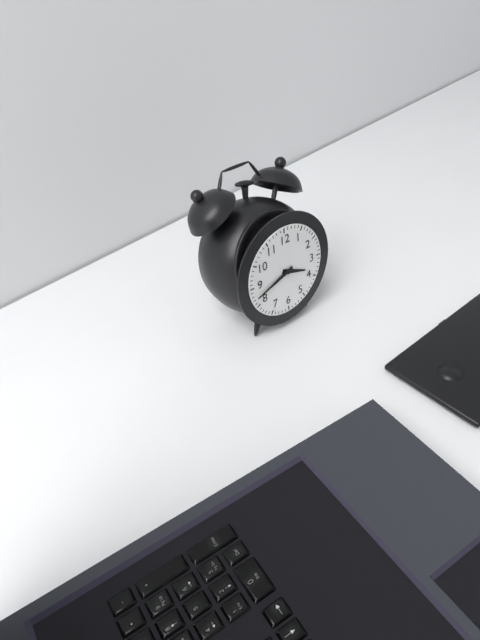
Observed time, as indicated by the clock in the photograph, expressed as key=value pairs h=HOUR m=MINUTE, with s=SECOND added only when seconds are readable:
h=3 m=42
